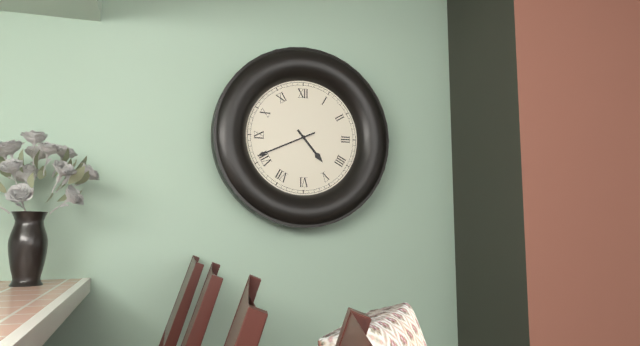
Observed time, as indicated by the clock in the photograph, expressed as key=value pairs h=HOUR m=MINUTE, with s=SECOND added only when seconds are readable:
h=4 m=41
